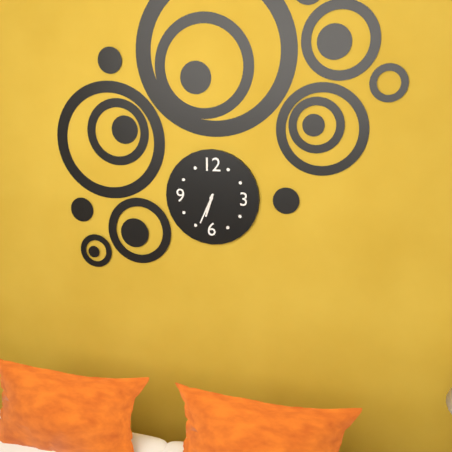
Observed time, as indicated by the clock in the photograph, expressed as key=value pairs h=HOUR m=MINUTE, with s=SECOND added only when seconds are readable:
h=6 m=34
